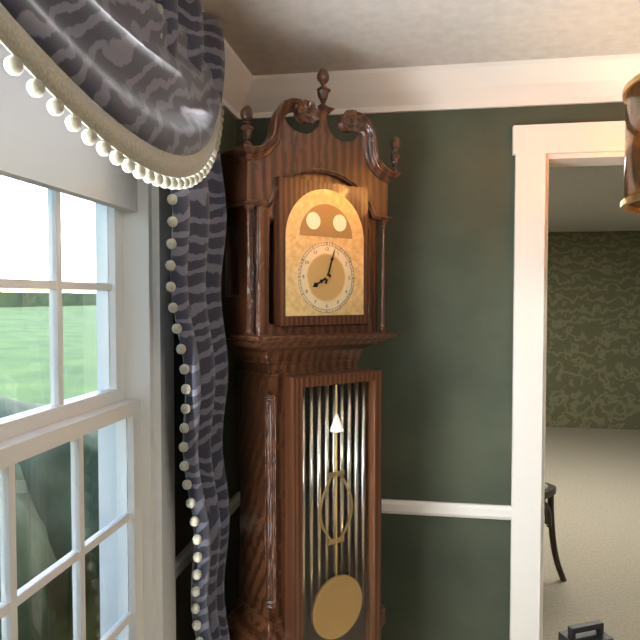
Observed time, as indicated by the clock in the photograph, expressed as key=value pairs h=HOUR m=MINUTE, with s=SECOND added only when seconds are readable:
h=8 m=3
